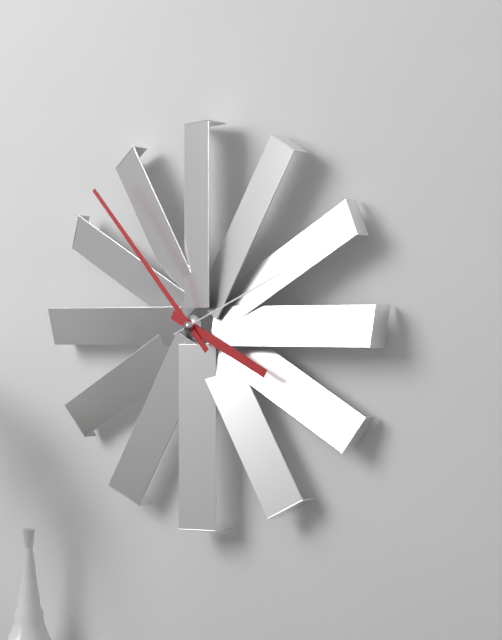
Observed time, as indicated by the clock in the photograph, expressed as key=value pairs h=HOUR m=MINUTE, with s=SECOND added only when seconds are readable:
h=3 m=53 s=11
